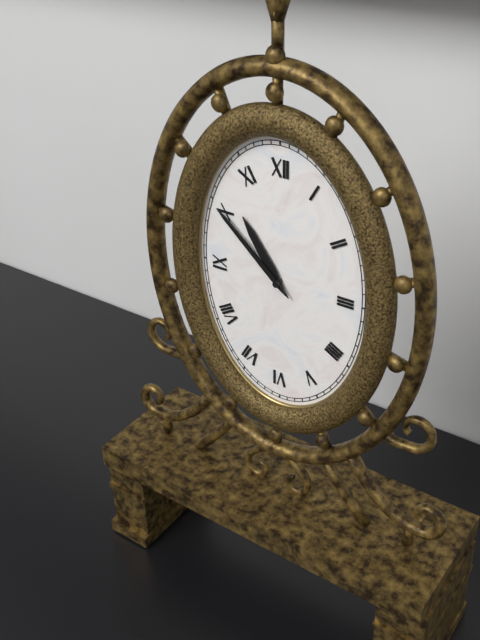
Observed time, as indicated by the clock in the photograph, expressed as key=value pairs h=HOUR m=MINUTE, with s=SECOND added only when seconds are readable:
h=10 m=52
